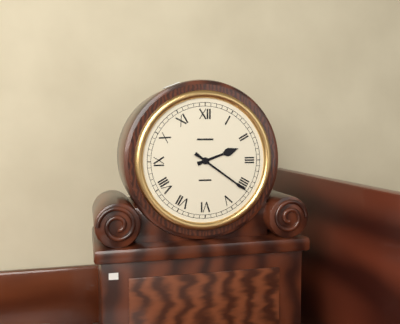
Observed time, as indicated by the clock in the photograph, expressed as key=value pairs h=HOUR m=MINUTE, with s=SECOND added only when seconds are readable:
h=2 m=21
